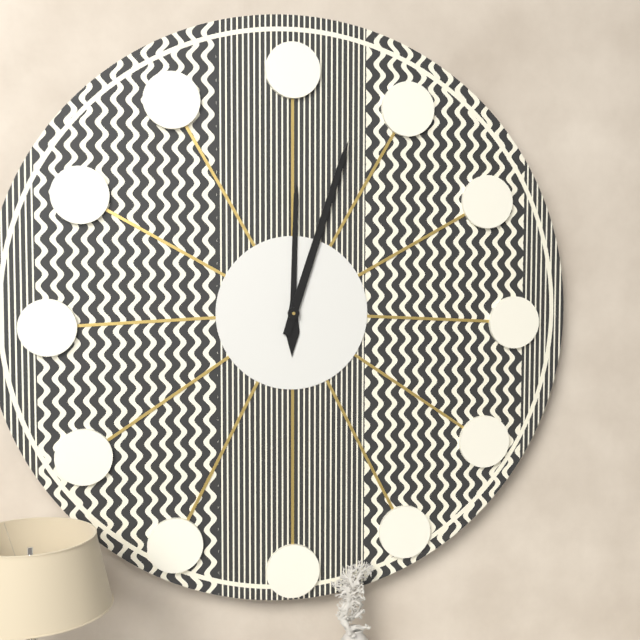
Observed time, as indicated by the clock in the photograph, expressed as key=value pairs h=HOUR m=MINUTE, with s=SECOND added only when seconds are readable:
h=12 m=3
